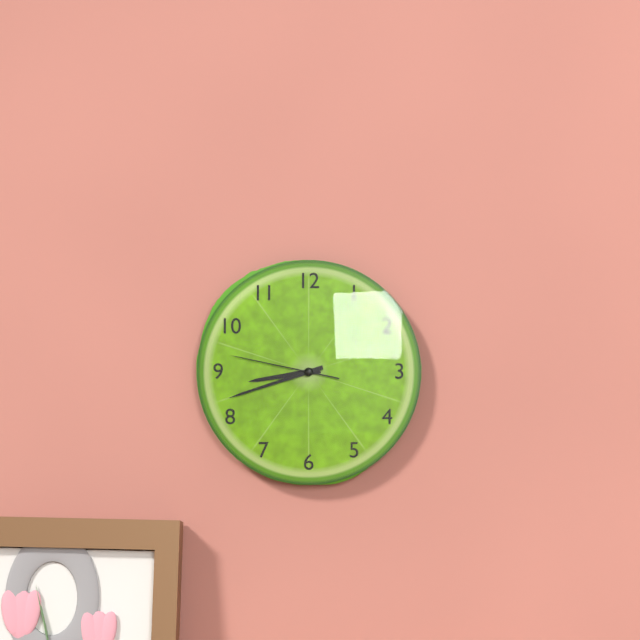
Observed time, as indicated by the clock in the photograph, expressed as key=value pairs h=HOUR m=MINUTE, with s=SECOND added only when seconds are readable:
h=8 m=42 s=47
